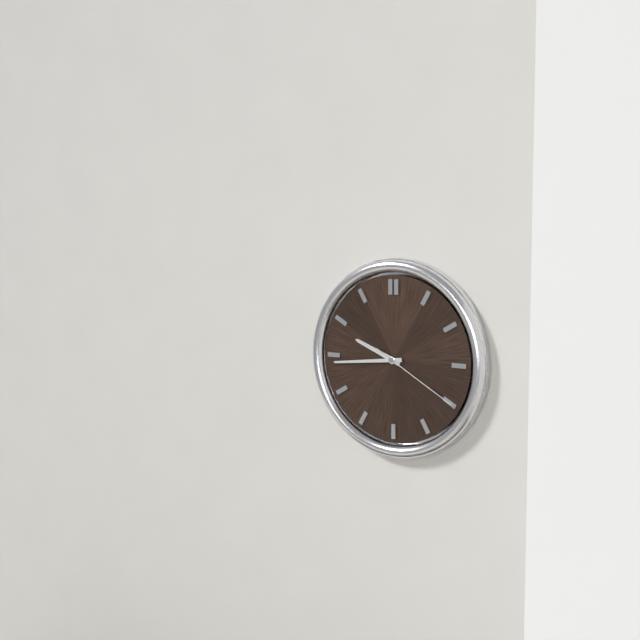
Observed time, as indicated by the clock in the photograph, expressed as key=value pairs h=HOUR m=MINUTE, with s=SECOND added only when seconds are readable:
h=9 m=44 s=20
